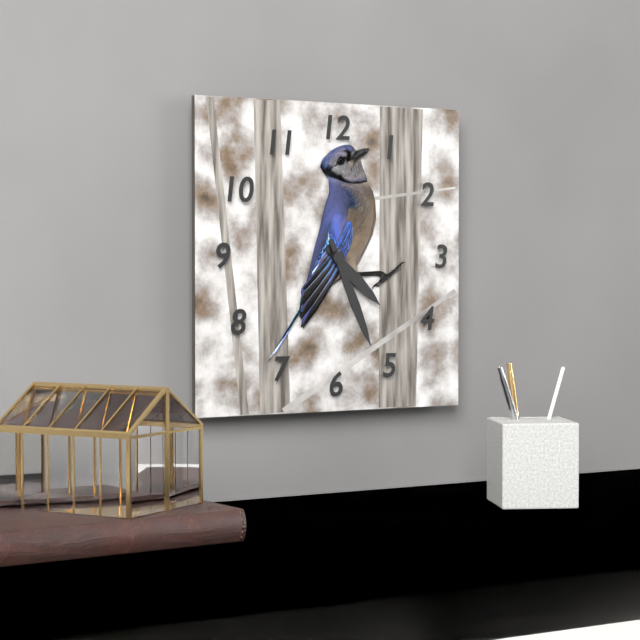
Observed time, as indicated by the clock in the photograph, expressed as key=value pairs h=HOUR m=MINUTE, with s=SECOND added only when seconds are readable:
h=4 m=26
